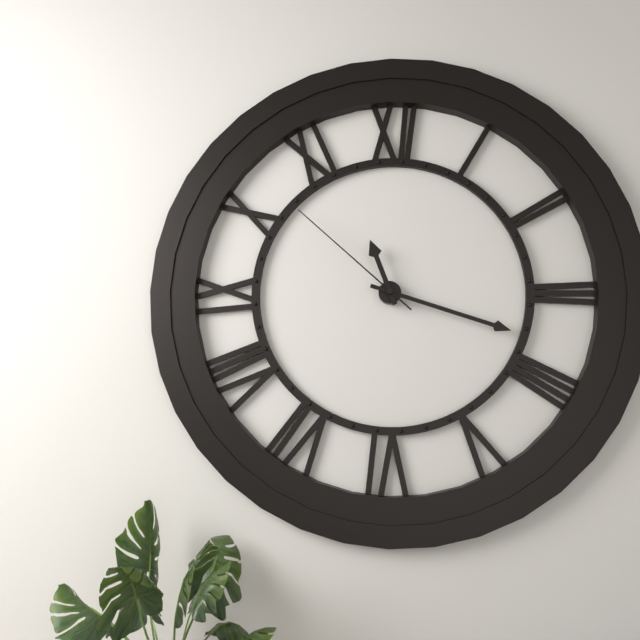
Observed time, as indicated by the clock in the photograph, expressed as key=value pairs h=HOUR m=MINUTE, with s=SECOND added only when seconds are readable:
h=11 m=18 s=52
